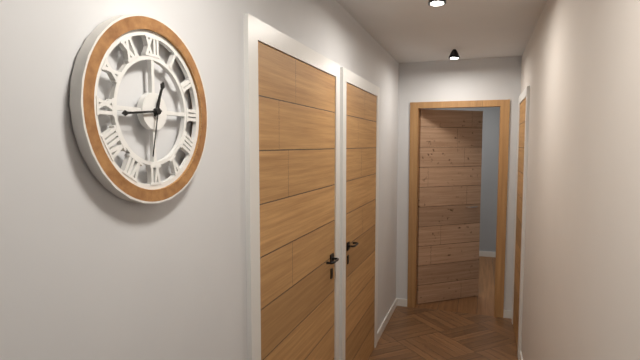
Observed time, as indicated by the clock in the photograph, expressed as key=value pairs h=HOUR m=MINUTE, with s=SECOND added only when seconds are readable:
h=12 m=44 s=32
